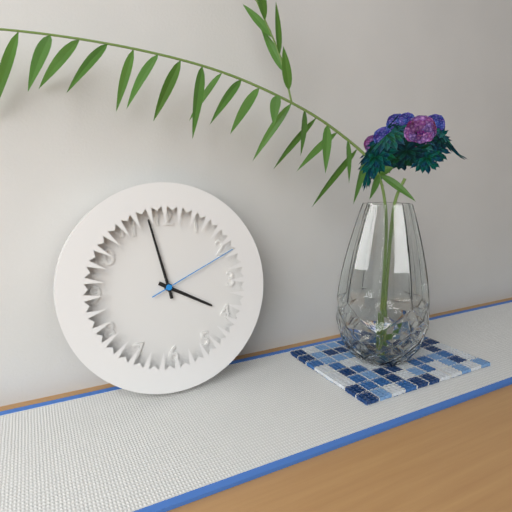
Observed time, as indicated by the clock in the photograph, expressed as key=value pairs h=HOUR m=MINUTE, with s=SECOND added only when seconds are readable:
h=3 m=58 s=11
